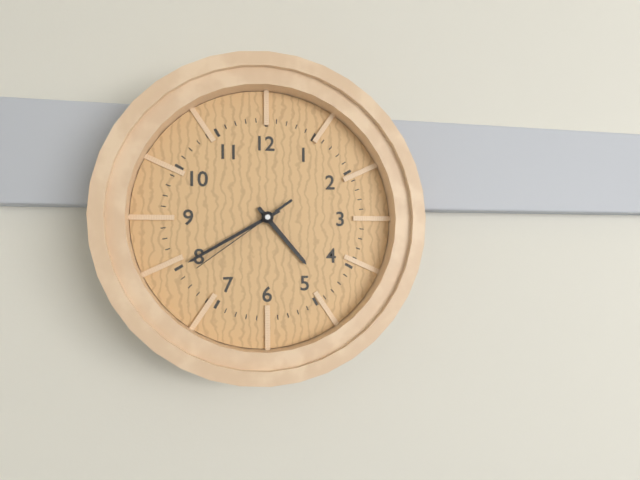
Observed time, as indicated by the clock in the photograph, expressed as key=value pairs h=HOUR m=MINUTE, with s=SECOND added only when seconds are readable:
h=4 m=40 s=39
